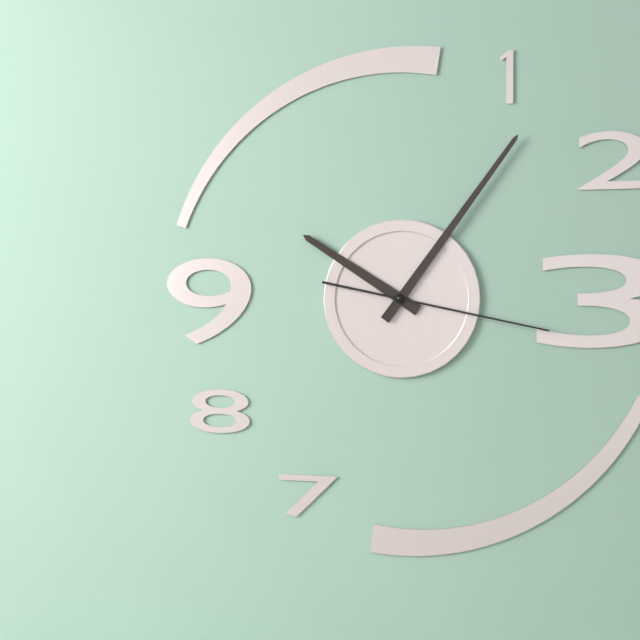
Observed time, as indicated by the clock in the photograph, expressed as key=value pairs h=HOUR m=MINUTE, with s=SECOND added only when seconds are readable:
h=10 m=6 s=17
